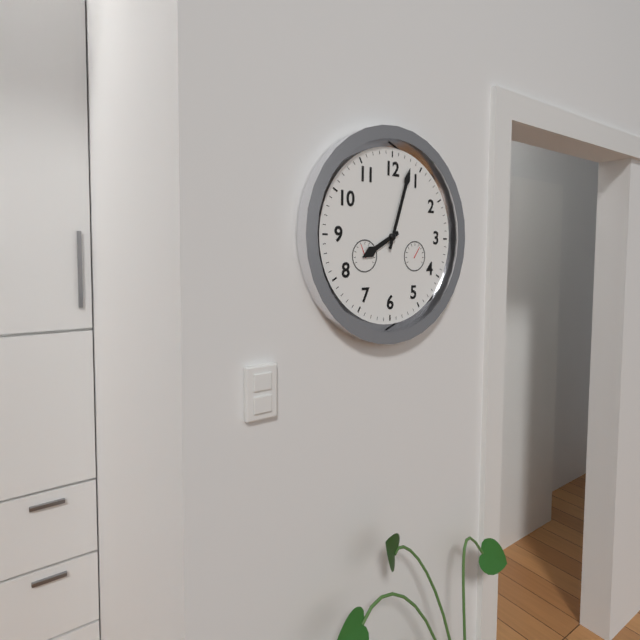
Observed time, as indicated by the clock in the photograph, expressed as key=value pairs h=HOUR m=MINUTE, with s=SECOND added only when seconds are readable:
h=8 m=3
